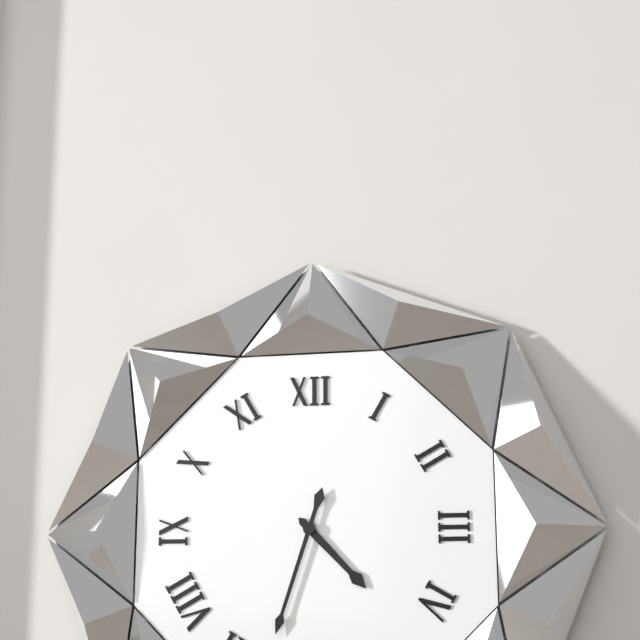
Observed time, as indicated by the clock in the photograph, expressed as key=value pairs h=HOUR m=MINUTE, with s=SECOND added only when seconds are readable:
h=4 m=33
